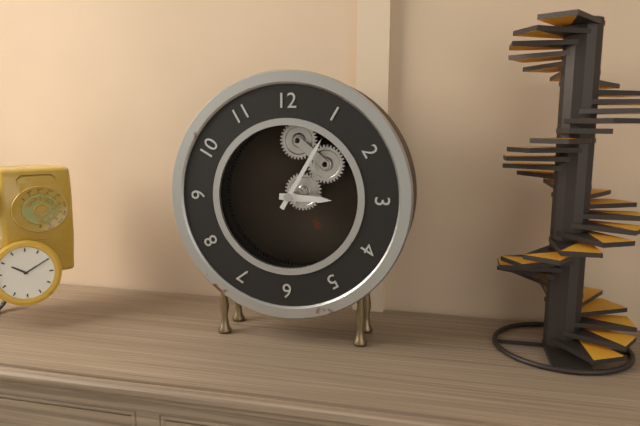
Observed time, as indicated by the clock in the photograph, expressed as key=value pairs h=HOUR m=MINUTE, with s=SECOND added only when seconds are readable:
h=3 m=5
